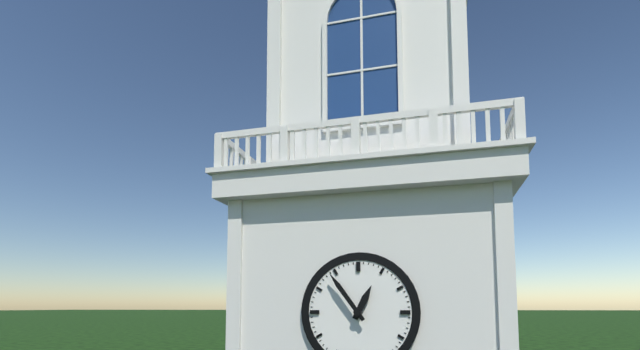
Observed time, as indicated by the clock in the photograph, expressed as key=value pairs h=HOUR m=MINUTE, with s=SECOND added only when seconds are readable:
h=12 m=54
